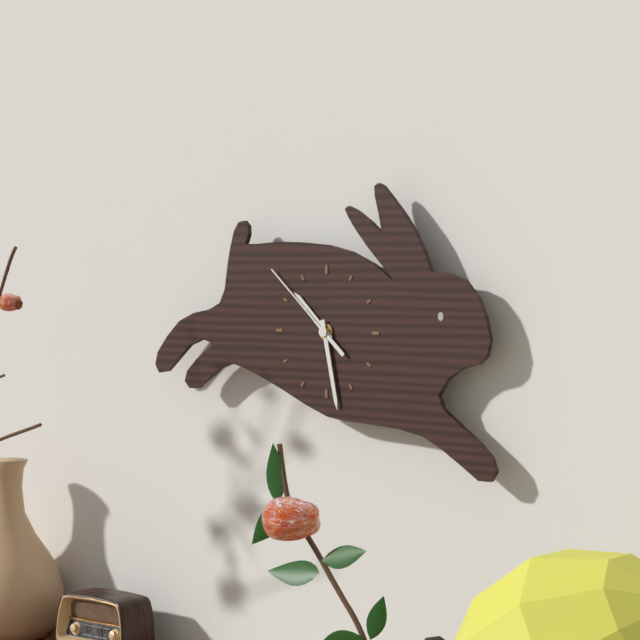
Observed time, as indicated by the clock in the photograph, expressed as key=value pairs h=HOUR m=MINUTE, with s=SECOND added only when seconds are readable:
h=10 m=28 s=52
